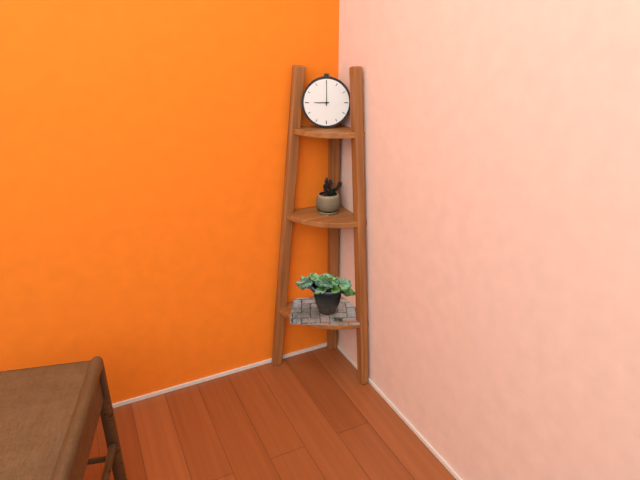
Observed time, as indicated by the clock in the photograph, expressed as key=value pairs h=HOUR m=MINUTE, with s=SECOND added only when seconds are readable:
h=9 m=0
